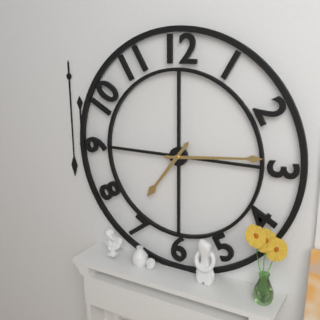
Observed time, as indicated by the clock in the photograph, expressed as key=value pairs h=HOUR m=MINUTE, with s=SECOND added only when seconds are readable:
h=7 m=14
